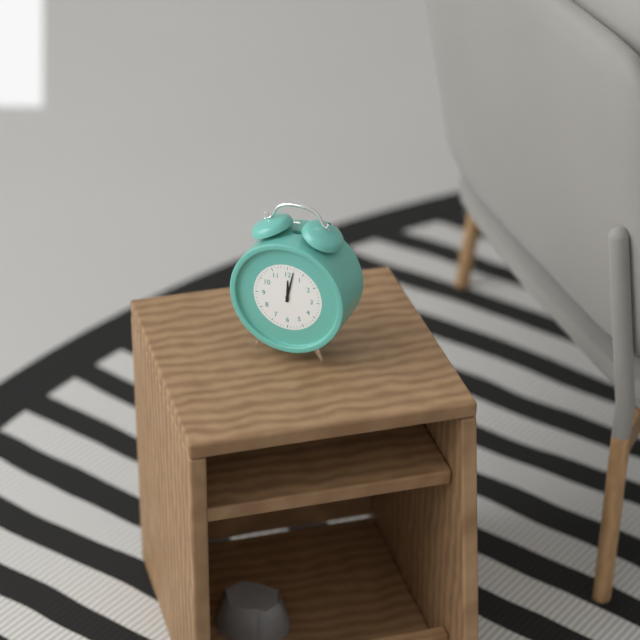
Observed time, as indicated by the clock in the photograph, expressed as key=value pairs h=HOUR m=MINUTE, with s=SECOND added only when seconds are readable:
h=12 m=2
